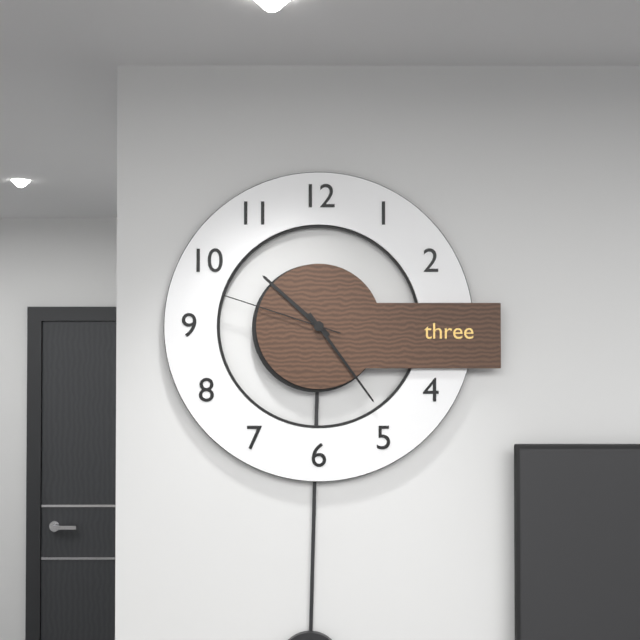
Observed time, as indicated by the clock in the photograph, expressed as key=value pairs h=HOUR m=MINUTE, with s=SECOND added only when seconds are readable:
h=10 m=24 s=48
